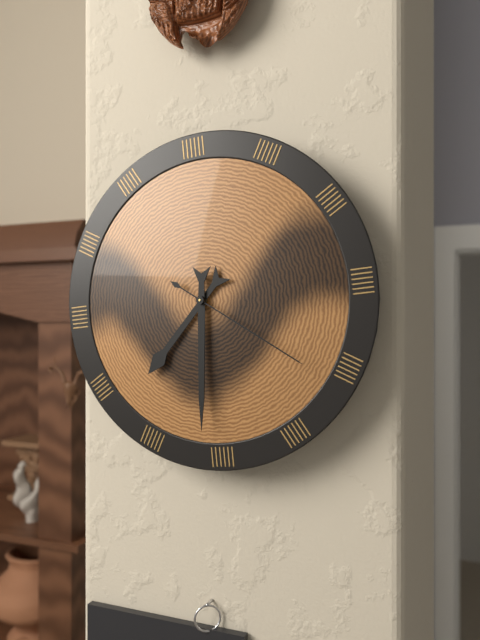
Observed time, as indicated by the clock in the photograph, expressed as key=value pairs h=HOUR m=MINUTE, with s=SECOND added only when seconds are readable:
h=7 m=31 s=21
